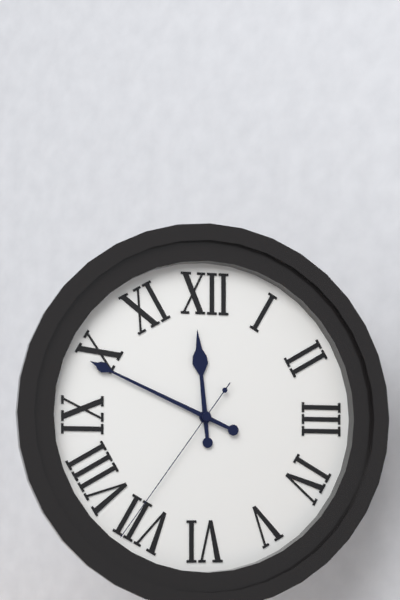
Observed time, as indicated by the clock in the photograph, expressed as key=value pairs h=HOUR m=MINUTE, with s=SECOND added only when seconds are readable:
h=11 m=49 s=36
